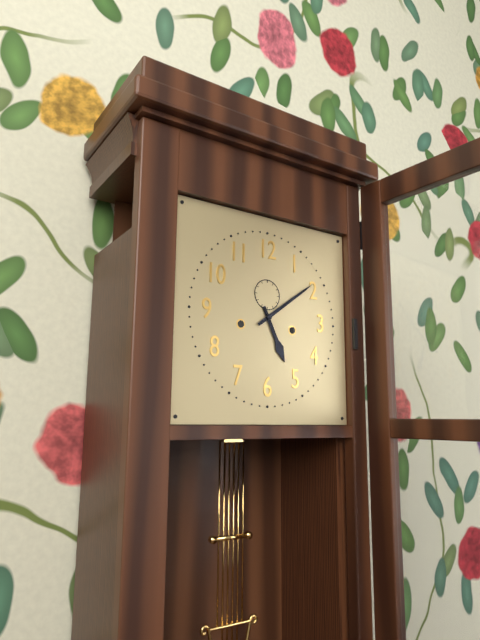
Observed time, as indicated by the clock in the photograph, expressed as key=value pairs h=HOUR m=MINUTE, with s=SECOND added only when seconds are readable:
h=5 m=9
